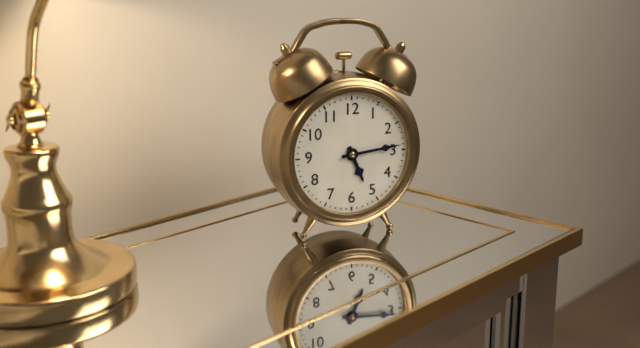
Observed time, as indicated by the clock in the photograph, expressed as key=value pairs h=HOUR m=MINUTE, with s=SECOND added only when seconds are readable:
h=5 m=14
